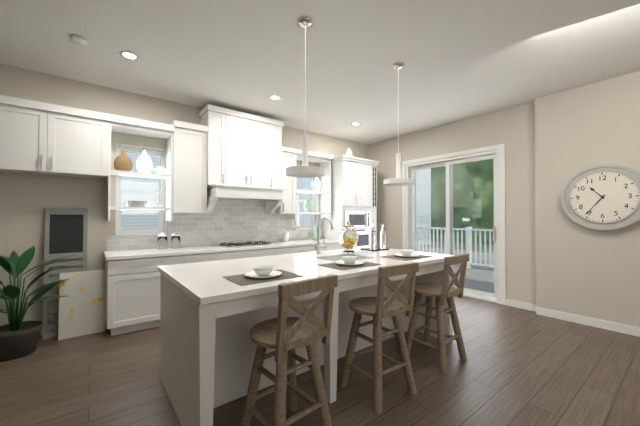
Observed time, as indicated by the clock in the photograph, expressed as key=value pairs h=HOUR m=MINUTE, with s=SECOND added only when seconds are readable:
h=10 m=36
